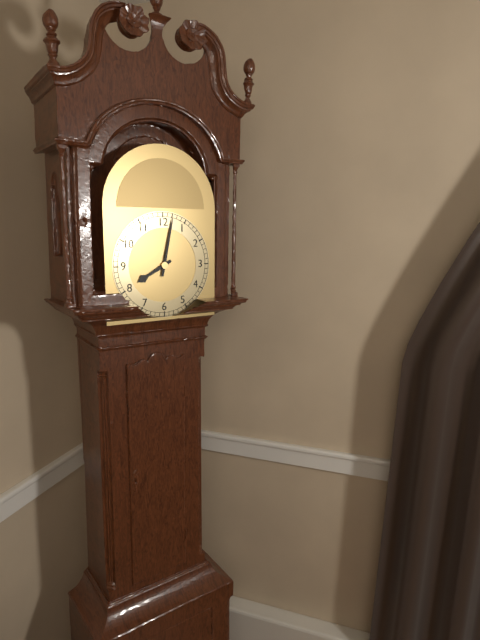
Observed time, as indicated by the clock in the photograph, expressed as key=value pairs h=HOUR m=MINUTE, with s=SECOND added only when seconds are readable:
h=8 m=2
